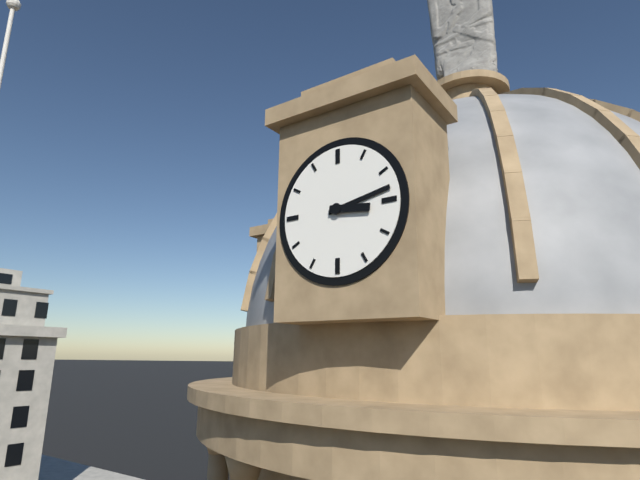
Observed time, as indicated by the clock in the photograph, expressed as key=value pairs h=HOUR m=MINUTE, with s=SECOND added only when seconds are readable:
h=3 m=13
